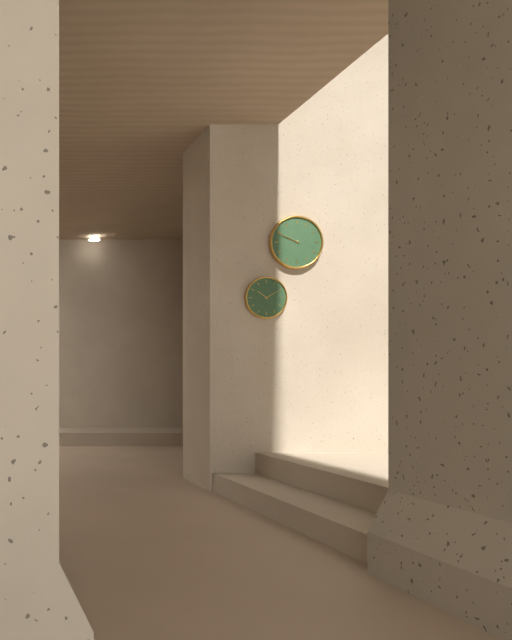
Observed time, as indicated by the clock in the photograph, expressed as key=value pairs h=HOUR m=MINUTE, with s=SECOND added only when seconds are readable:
h=9 m=49
